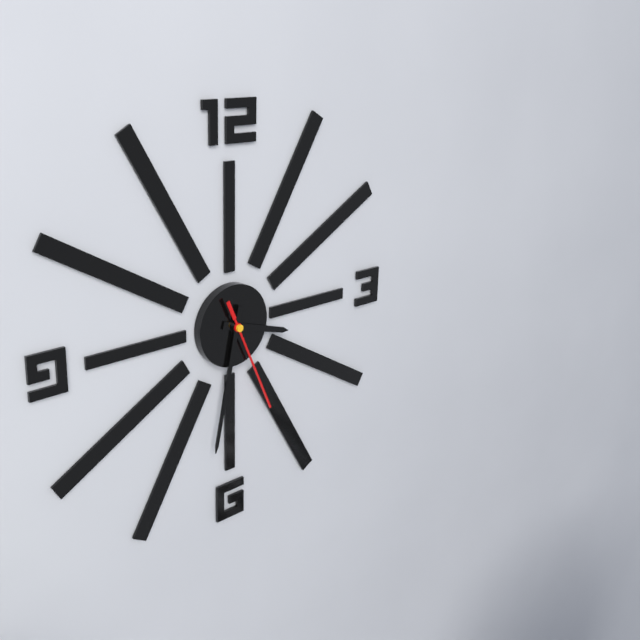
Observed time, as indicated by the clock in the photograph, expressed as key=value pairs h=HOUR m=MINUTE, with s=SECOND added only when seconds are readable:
h=3 m=32 s=26
